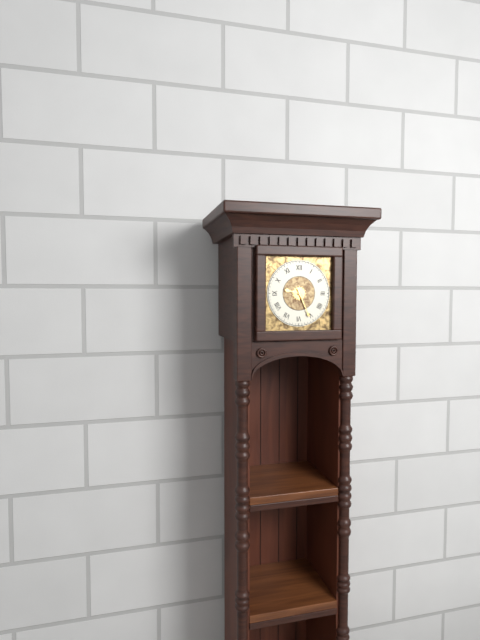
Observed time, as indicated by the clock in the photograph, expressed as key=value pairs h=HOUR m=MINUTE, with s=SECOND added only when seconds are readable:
h=9 m=26
